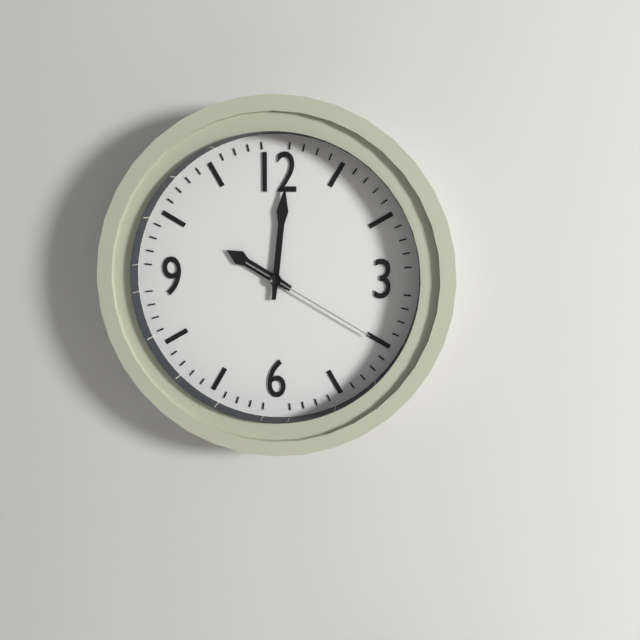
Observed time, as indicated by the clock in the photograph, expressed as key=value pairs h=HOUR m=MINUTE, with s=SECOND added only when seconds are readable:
h=10 m=1 s=20
